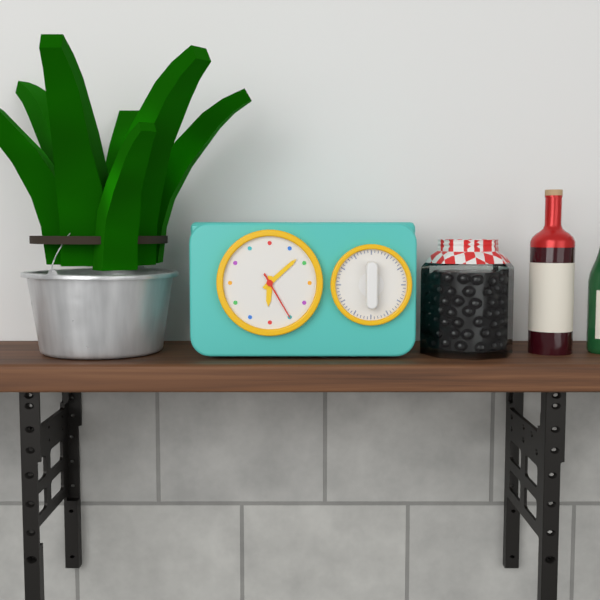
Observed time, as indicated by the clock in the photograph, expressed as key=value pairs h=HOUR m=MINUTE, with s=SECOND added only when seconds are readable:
h=6 m=8 s=25
